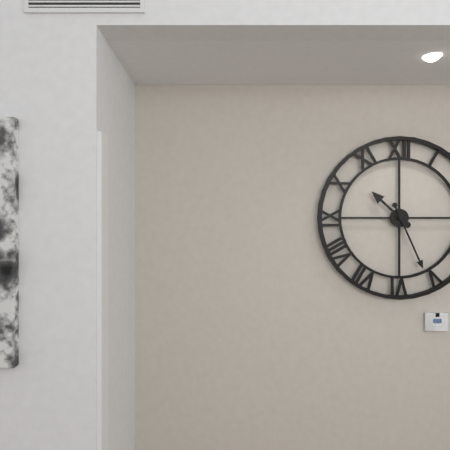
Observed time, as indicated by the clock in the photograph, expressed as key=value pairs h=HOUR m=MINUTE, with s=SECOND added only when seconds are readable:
h=10 m=26
